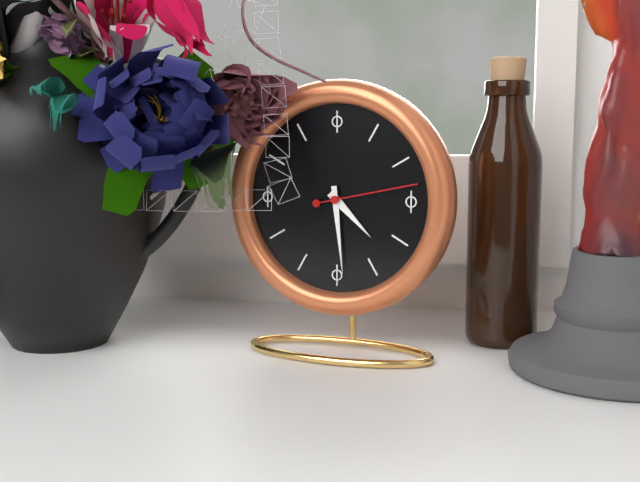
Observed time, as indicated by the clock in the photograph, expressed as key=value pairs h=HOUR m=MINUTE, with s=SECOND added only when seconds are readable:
h=4 m=29 s=13
